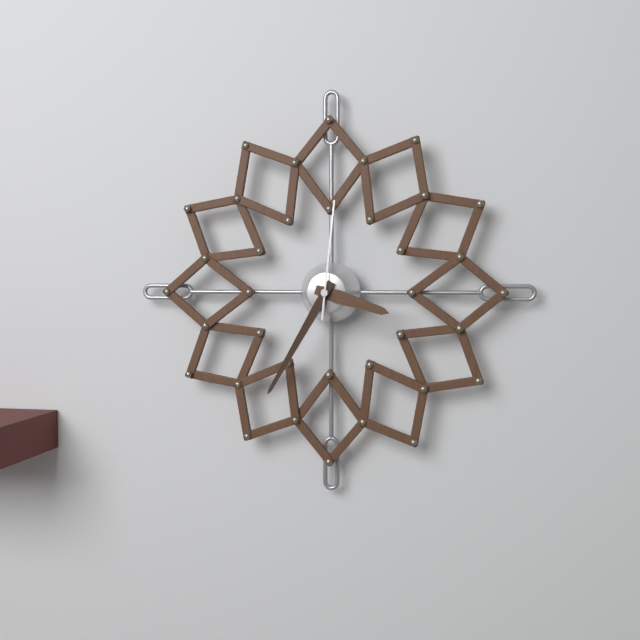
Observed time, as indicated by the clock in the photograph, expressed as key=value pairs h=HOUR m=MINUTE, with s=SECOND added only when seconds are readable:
h=3 m=35 s=1
